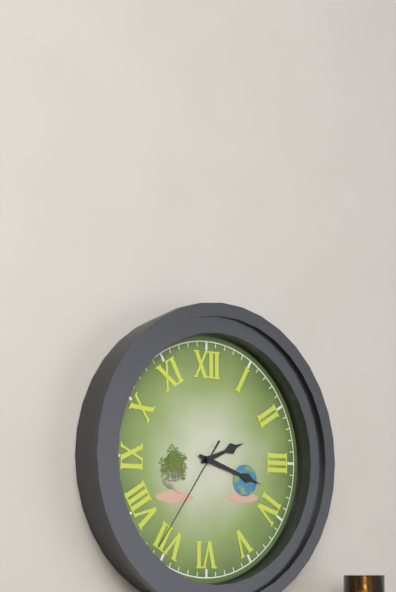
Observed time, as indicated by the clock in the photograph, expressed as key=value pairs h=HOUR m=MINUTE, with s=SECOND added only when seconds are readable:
h=2 m=18 s=36
